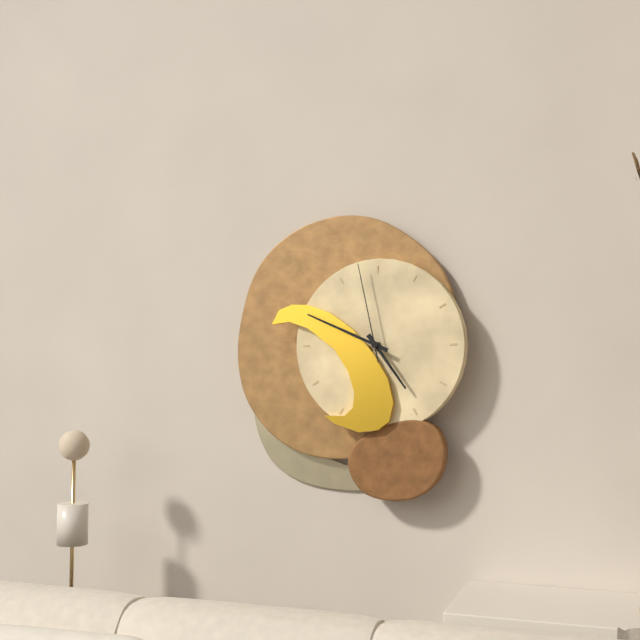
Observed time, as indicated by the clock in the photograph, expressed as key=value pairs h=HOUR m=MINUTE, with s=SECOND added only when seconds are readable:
h=4 m=49 s=58
